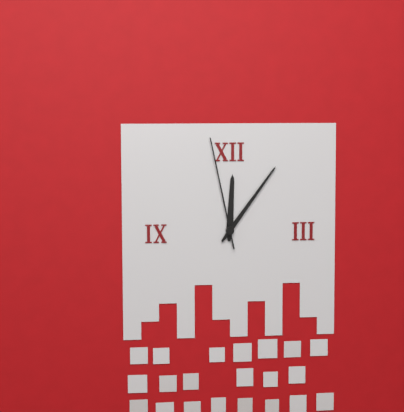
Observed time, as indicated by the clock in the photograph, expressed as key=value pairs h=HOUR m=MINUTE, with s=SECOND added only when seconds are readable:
h=12 m=6 s=58
